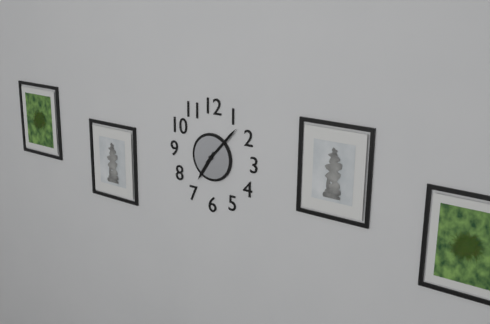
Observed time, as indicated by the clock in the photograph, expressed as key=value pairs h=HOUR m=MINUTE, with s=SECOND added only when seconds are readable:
h=7 m=7
